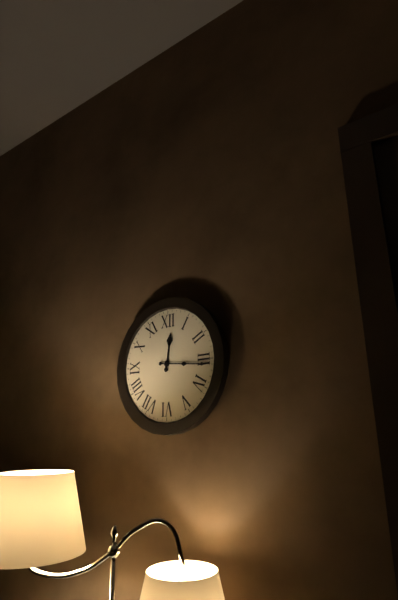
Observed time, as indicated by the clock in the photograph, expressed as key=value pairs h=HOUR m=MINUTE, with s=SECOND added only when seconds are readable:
h=12 m=16
